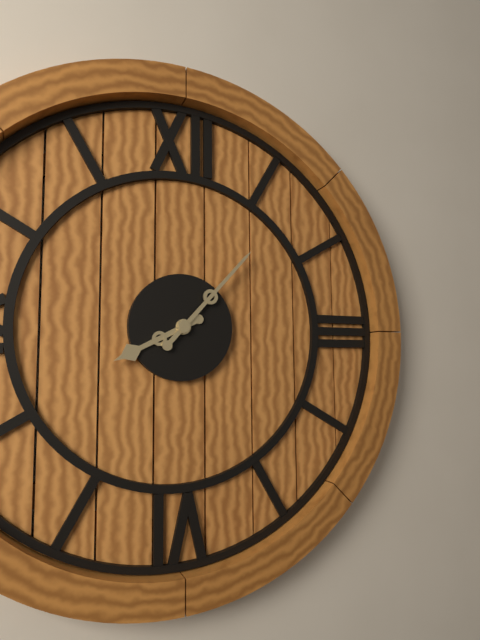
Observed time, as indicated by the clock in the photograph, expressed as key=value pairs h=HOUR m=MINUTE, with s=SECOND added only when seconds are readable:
h=8 m=7
